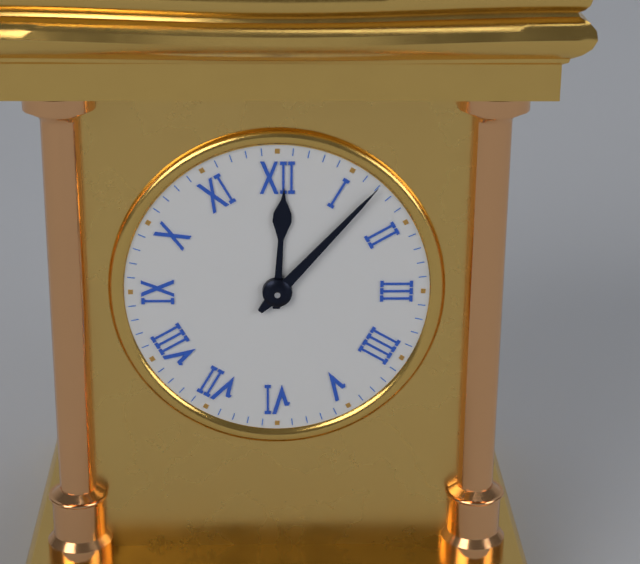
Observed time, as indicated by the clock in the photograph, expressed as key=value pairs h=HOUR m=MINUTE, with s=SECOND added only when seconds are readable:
h=12 m=7
